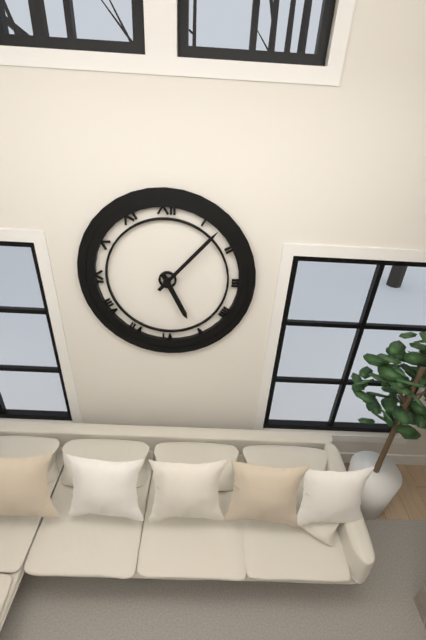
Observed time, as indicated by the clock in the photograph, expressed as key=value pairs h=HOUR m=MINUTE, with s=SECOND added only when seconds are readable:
h=5 m=7
